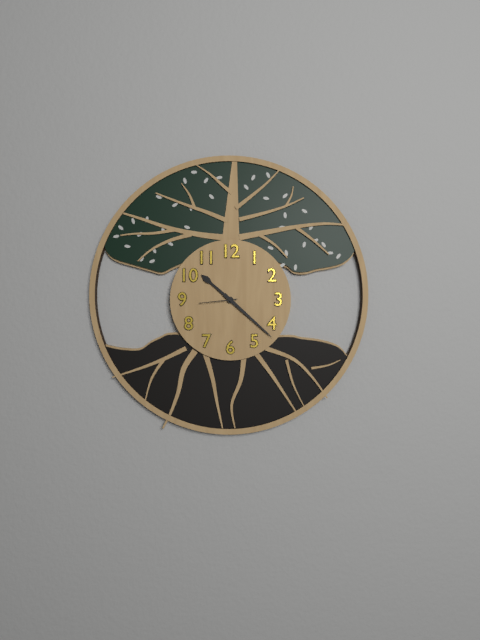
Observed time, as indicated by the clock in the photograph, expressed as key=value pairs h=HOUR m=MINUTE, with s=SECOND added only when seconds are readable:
h=10 m=22
